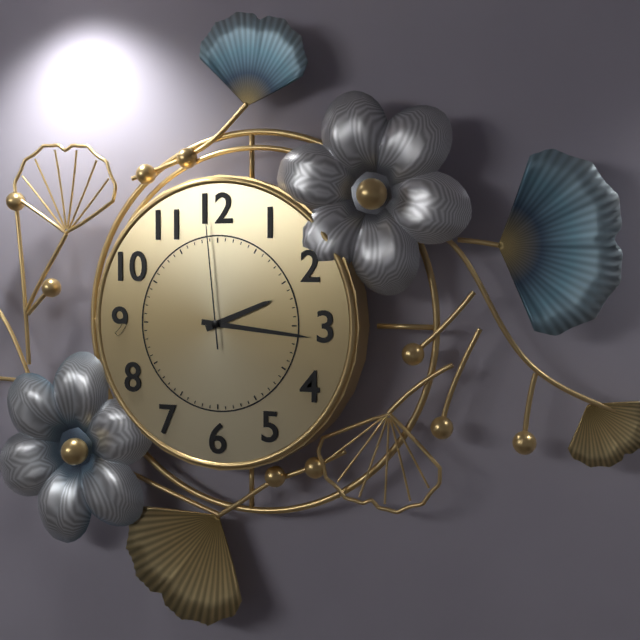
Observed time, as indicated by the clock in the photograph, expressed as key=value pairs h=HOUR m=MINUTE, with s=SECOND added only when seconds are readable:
h=2 m=16 s=59
